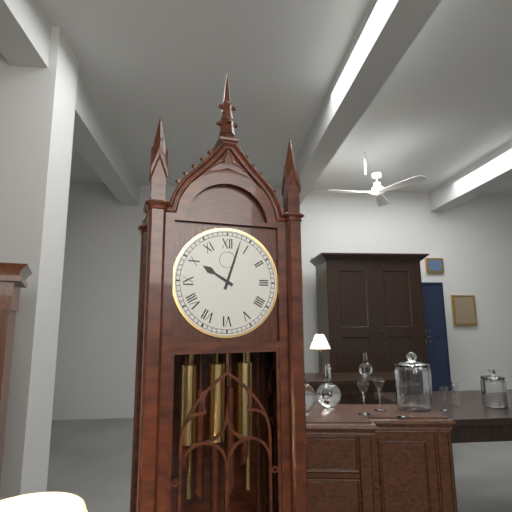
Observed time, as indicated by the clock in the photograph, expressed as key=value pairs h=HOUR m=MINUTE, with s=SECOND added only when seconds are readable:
h=10 m=3
